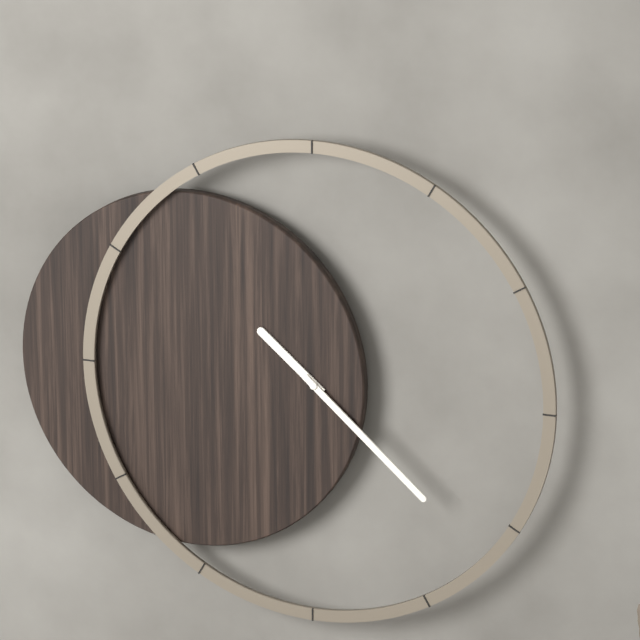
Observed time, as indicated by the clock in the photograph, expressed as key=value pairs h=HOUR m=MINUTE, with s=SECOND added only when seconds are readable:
h=10 m=22
